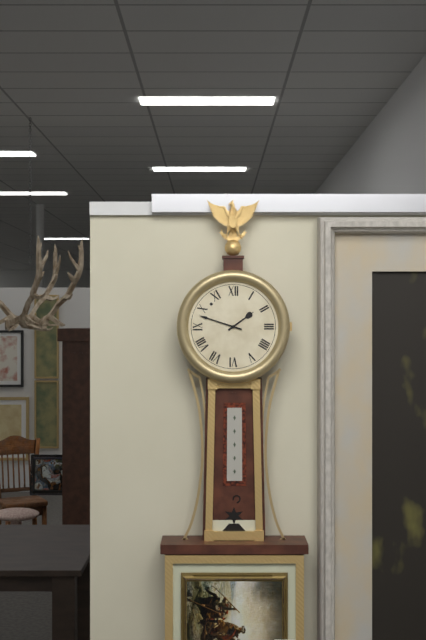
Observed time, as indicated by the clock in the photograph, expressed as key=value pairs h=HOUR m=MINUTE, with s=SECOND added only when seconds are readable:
h=1 m=48
